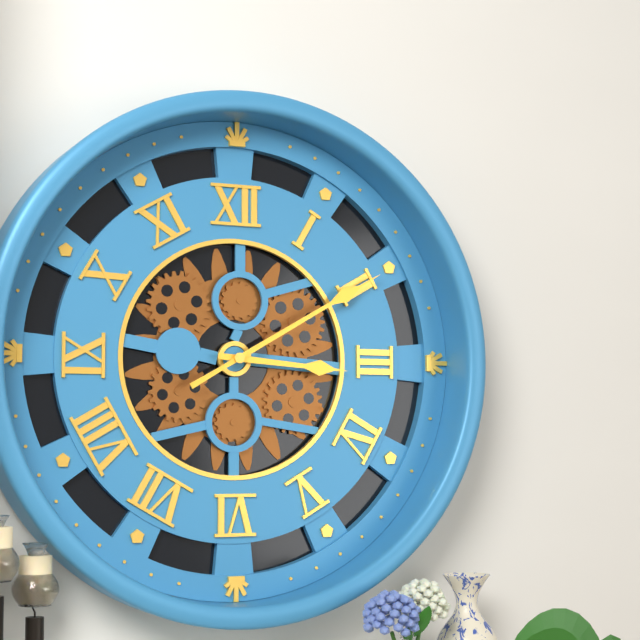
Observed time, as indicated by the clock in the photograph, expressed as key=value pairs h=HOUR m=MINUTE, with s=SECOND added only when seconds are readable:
h=3 m=10
